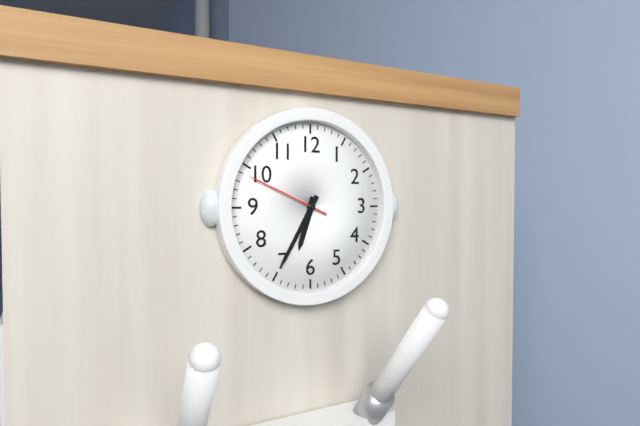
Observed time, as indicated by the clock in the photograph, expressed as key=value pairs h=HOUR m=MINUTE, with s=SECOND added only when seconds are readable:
h=6 m=35 s=49
